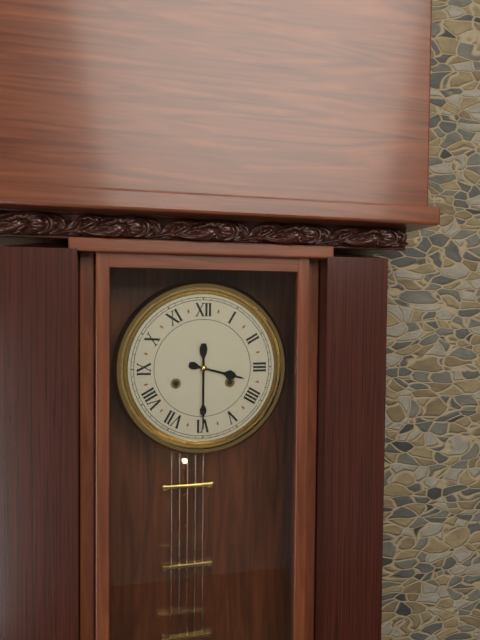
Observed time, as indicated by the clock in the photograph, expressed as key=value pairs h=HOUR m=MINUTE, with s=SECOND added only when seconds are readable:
h=3 m=30
